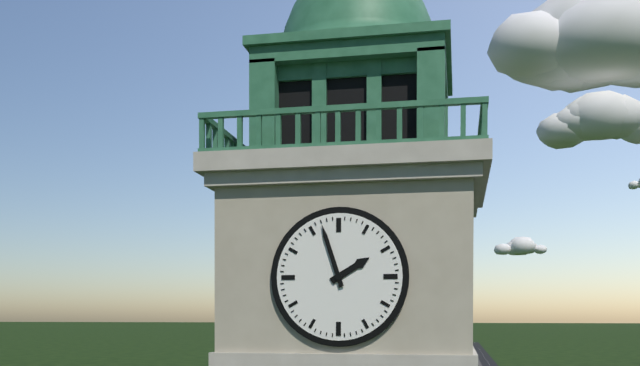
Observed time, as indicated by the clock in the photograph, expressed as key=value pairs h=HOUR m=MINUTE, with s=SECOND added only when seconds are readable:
h=1 m=57
